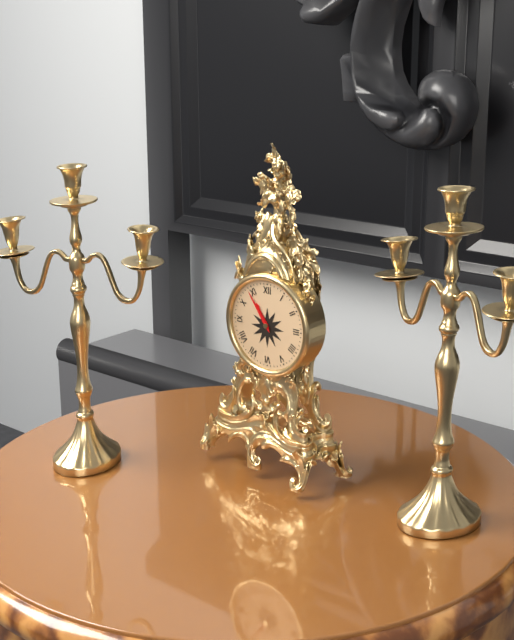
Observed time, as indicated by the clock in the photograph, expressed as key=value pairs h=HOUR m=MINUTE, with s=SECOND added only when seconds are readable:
h=10 m=54
